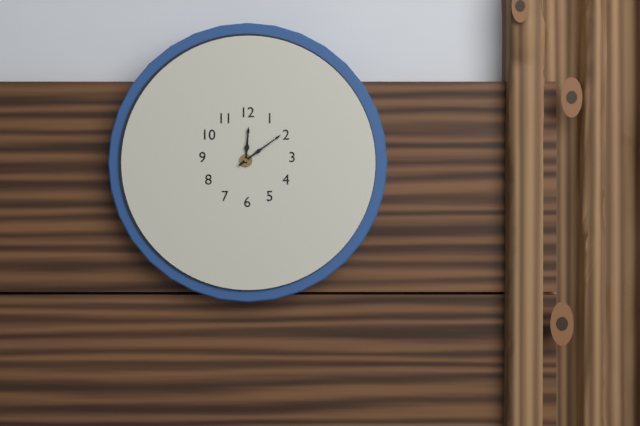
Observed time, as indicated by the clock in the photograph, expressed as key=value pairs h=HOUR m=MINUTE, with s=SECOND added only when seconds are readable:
h=12 m=9
